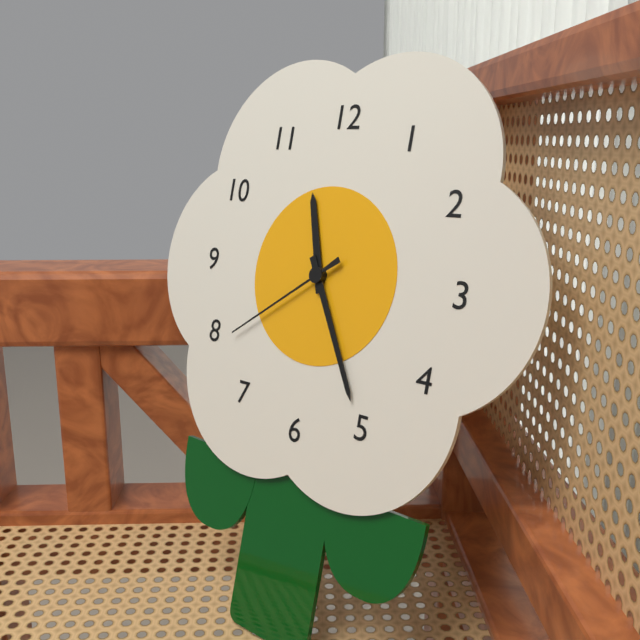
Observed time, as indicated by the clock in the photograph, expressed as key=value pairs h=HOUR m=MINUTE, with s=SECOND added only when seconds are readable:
h=11 m=25 s=39
